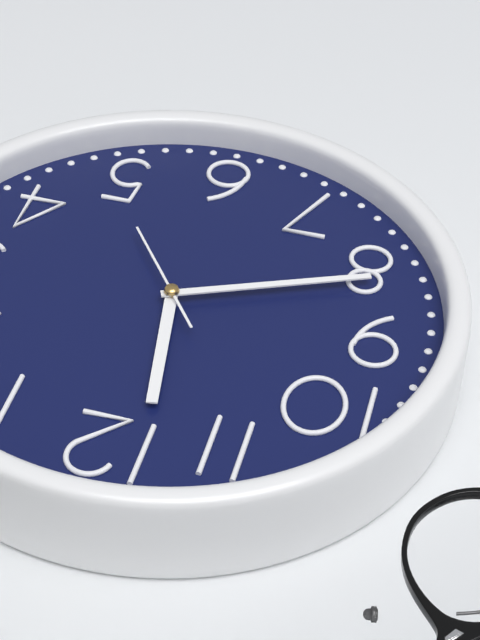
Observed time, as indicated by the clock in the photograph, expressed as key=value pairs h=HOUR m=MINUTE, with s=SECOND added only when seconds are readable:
h=11 m=41 s=24
